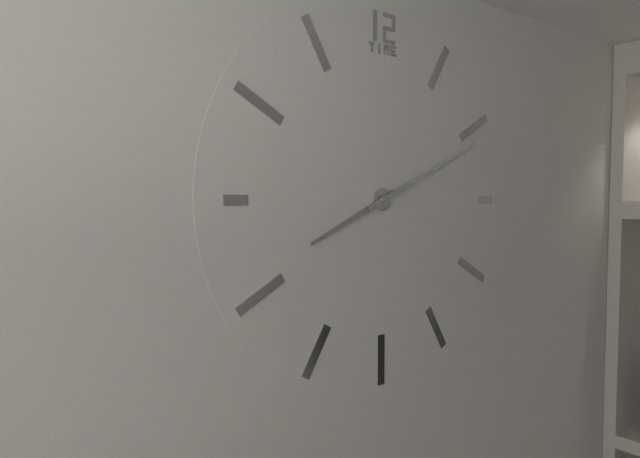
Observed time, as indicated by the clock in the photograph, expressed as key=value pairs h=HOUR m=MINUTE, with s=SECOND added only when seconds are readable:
h=8 m=11
